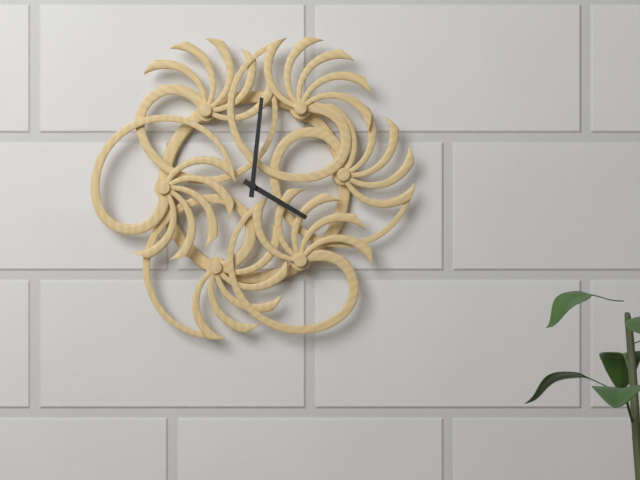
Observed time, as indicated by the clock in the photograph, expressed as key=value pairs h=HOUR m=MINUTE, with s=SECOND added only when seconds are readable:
h=4 m=1
